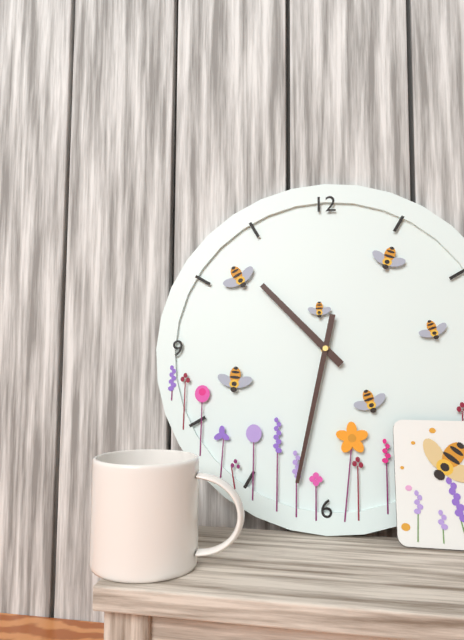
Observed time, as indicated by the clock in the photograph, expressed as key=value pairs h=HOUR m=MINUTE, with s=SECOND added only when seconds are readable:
h=10 m=32
